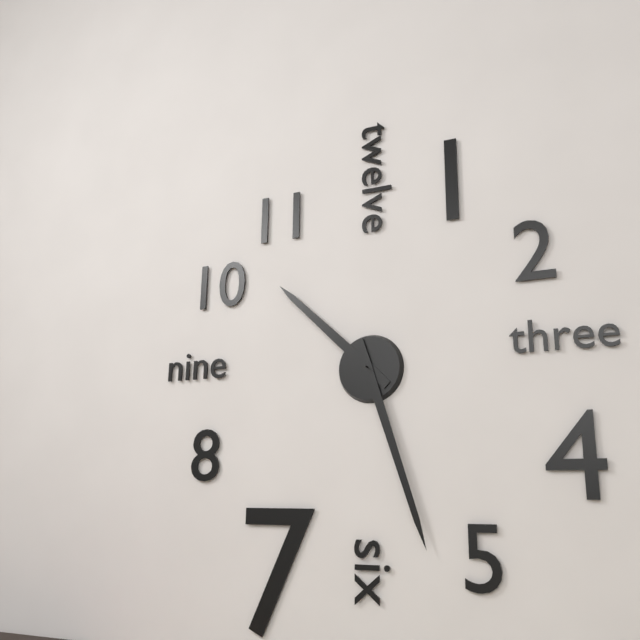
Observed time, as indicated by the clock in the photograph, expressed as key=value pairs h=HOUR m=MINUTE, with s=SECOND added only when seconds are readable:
h=10 m=27
